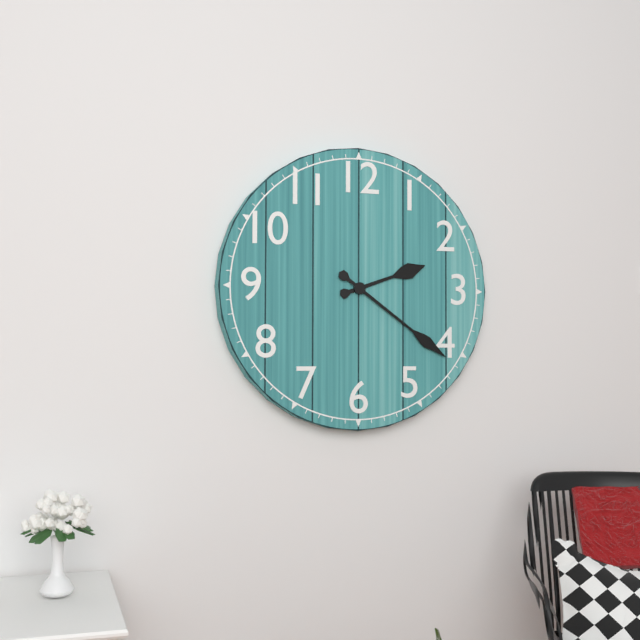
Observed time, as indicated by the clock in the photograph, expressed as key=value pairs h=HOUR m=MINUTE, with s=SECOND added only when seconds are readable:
h=2 m=21
